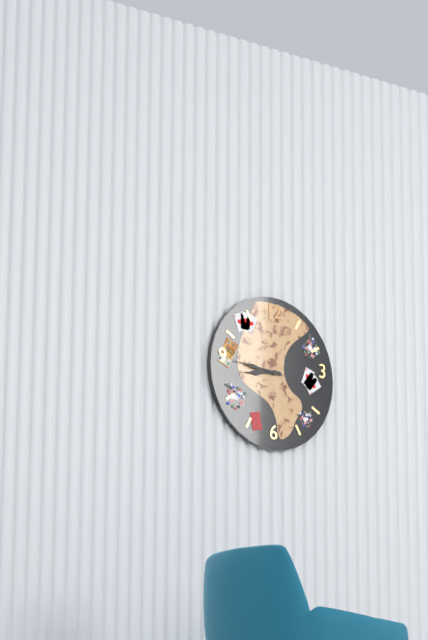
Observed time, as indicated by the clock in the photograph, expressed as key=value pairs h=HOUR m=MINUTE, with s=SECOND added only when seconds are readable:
h=8 m=46
